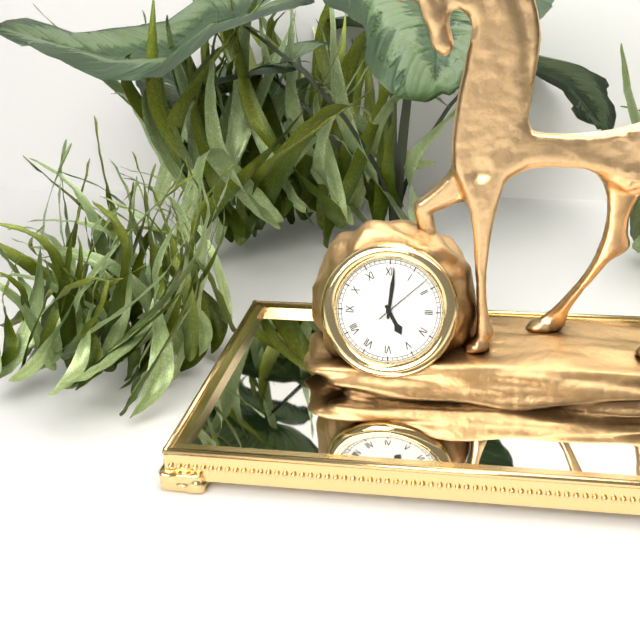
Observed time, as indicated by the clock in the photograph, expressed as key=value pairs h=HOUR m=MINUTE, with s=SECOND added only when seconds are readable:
h=5 m=1 s=8
